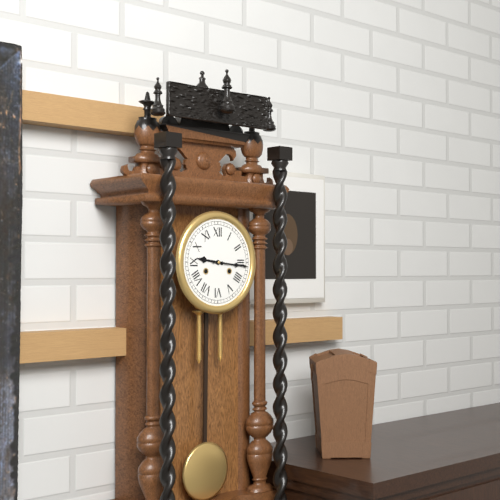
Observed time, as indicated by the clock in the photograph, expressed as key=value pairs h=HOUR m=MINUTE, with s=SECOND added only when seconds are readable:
h=9 m=16
